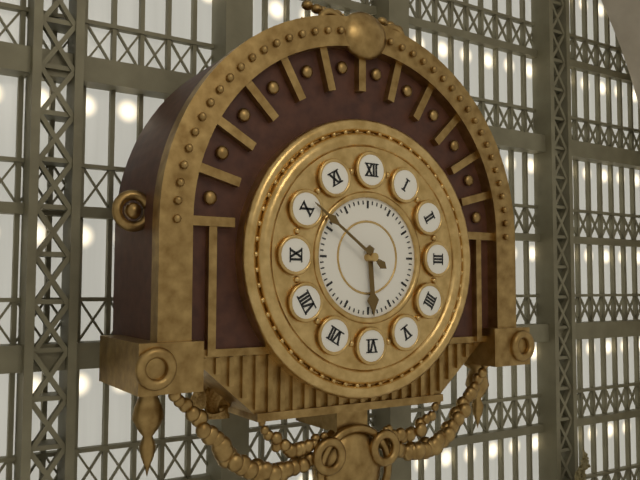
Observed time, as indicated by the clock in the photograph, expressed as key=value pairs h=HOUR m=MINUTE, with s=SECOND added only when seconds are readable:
h=5 m=51
